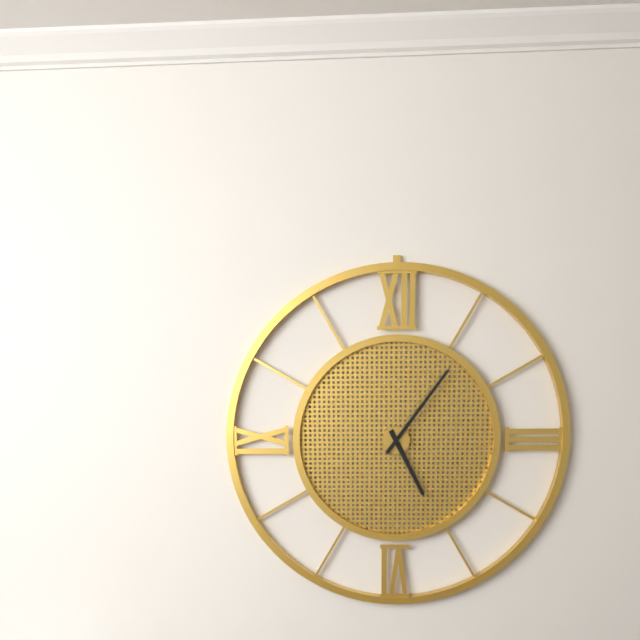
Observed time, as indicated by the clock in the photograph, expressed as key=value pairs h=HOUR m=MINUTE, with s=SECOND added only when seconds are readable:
h=5 m=6
